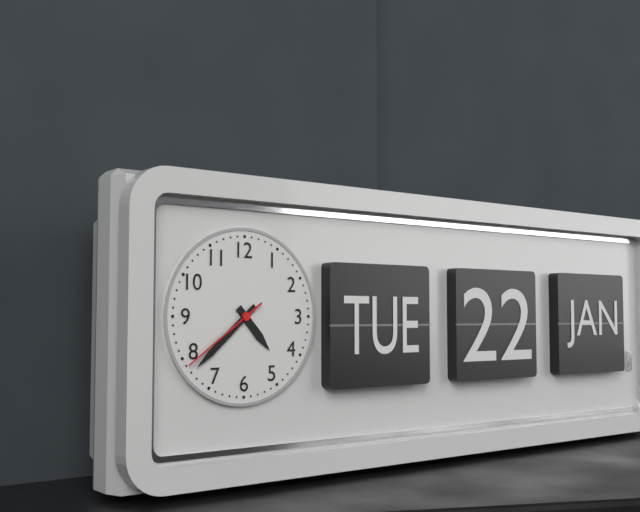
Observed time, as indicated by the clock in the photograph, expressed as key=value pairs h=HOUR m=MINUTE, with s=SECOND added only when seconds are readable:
h=4 m=38 s=39
